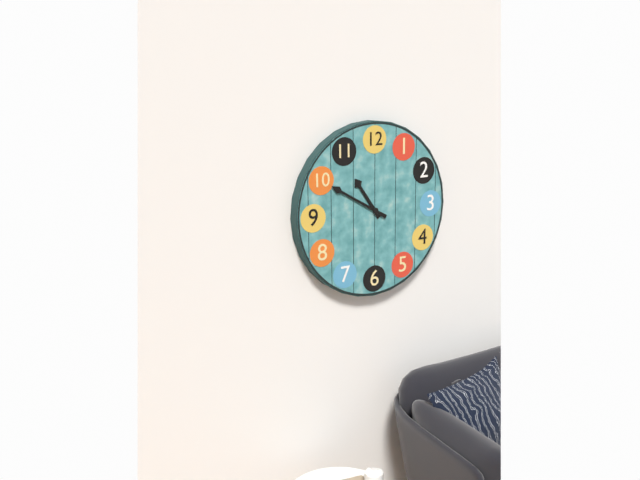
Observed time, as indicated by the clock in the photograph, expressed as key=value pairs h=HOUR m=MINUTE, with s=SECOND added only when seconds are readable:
h=10 m=50
